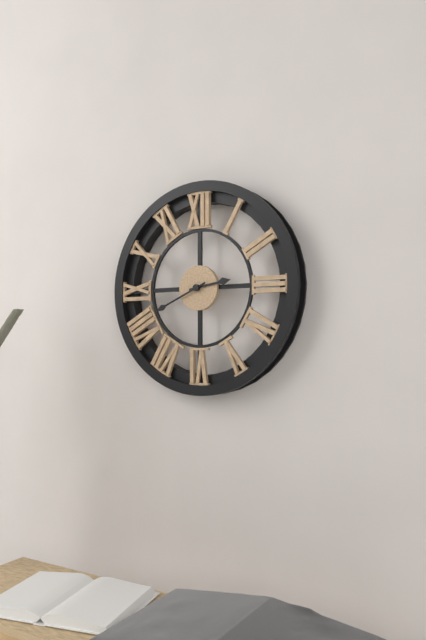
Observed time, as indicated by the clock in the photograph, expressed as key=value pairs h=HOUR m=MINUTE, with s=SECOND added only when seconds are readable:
h=2 m=41
